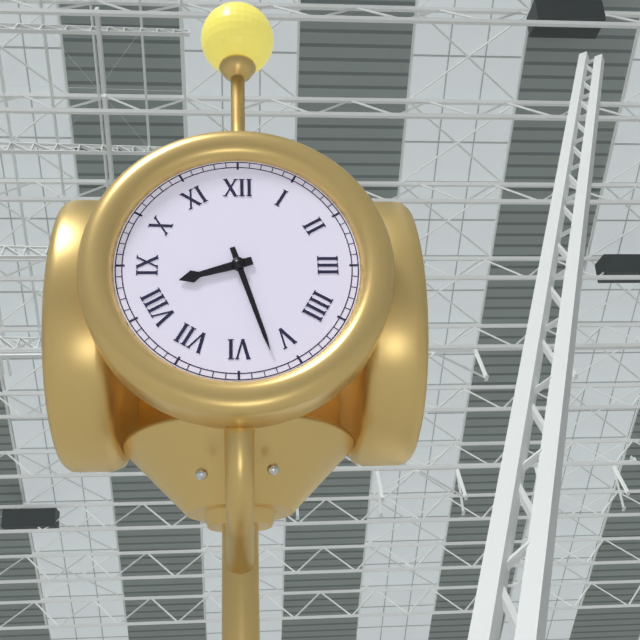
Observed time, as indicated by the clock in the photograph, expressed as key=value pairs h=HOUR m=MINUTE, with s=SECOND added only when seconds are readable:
h=8 m=27
